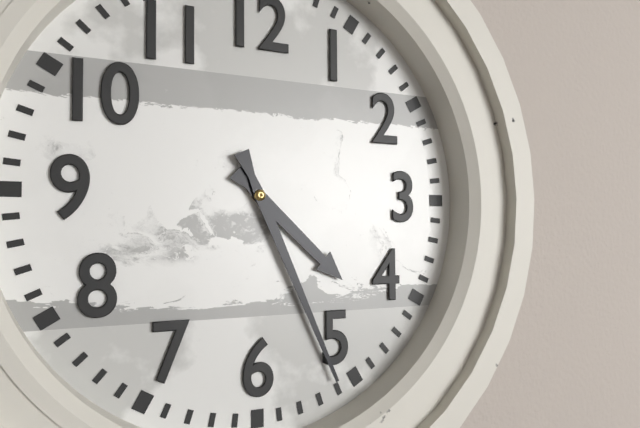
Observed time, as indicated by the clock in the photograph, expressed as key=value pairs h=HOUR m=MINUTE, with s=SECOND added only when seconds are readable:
h=4 m=26
